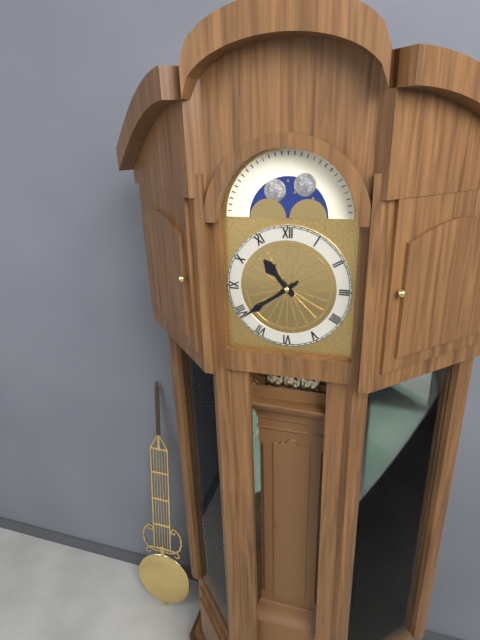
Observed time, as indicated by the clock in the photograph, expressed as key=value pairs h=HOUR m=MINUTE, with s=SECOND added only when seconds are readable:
h=10 m=39
